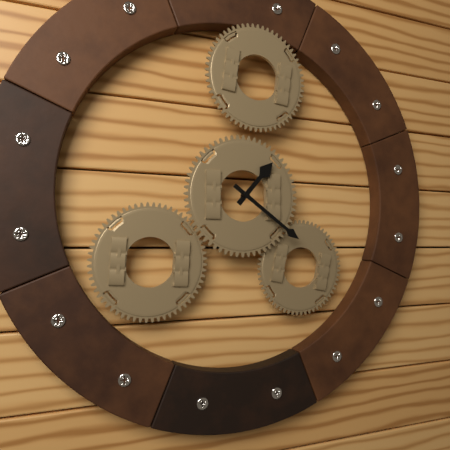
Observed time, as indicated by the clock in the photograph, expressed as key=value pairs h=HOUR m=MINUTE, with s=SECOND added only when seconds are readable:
h=1 m=21
